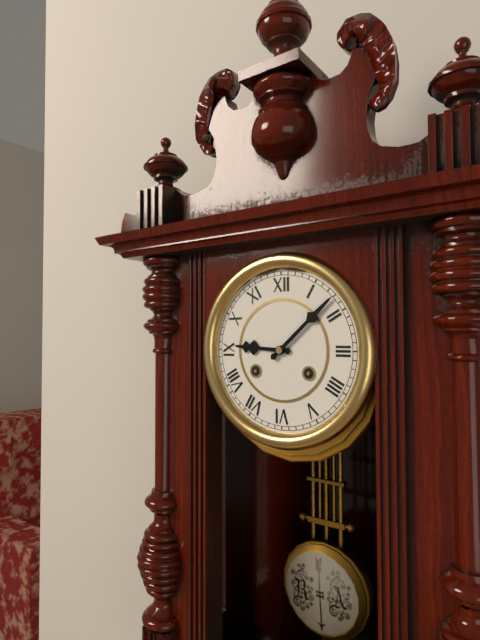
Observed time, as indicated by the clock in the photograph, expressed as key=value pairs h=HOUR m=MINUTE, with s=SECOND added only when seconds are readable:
h=9 m=8
